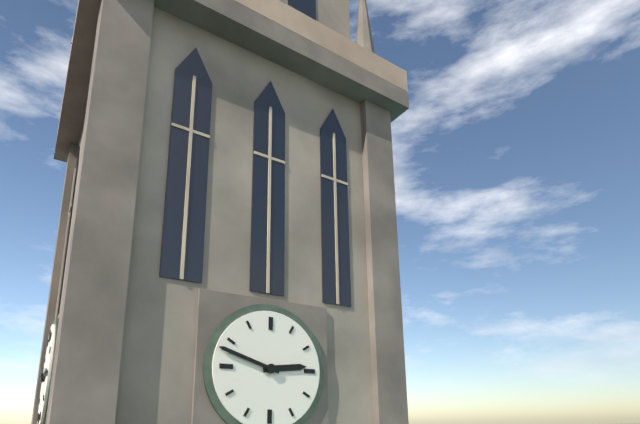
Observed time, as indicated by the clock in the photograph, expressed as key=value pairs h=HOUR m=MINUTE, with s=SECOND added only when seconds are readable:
h=2 m=48
